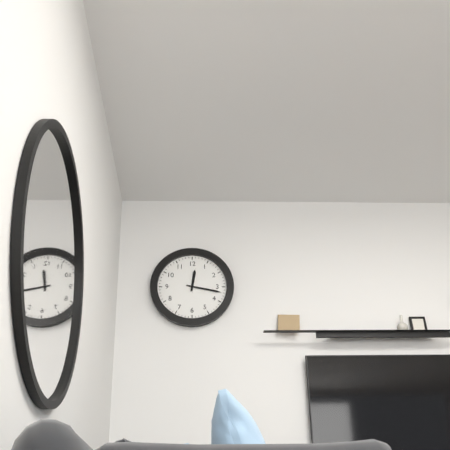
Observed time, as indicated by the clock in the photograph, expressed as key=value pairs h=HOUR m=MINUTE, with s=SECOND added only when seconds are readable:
h=12 m=17
